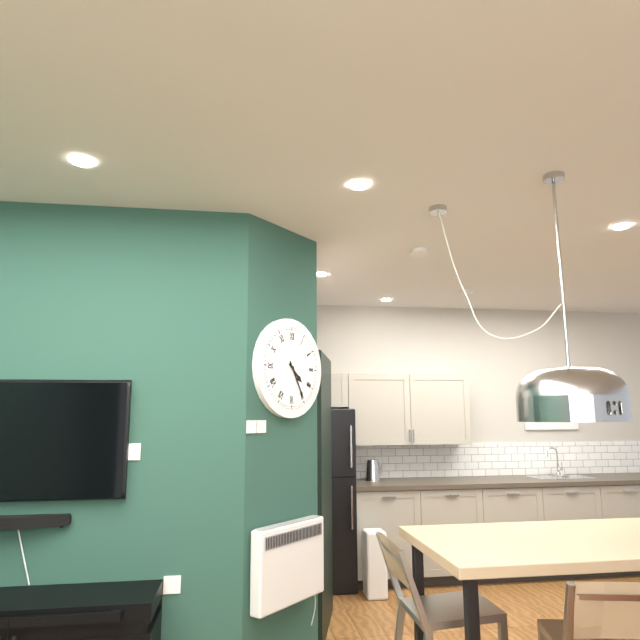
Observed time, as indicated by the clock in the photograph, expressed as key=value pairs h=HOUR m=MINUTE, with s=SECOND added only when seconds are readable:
h=4 m=25
